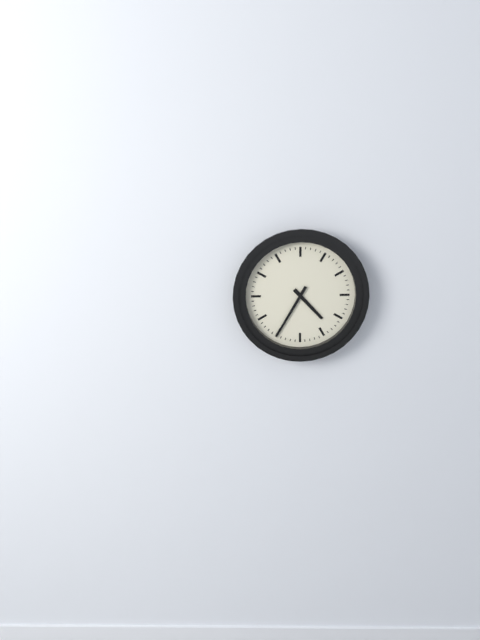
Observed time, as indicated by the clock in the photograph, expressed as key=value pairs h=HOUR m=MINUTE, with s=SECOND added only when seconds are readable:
h=4 m=35
